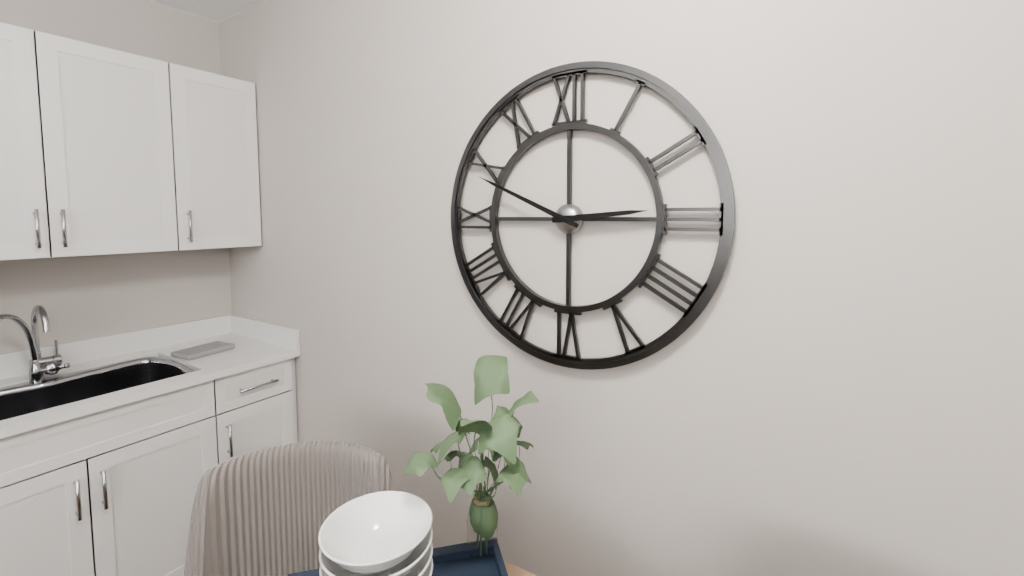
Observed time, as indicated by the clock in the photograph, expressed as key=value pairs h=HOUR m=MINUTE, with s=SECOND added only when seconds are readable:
h=2 m=49
